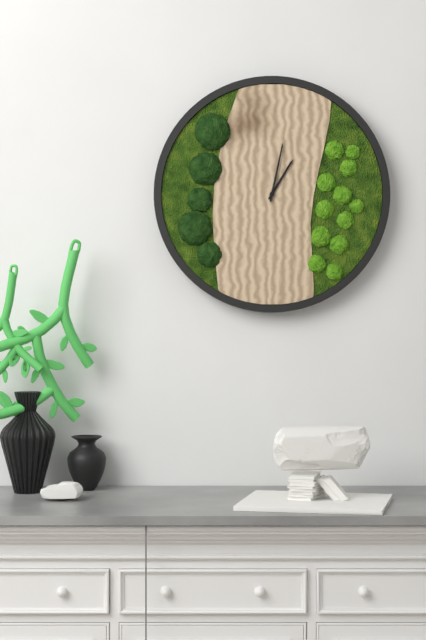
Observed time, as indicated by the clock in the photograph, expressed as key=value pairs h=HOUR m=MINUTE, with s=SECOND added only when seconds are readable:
h=1 m=2
